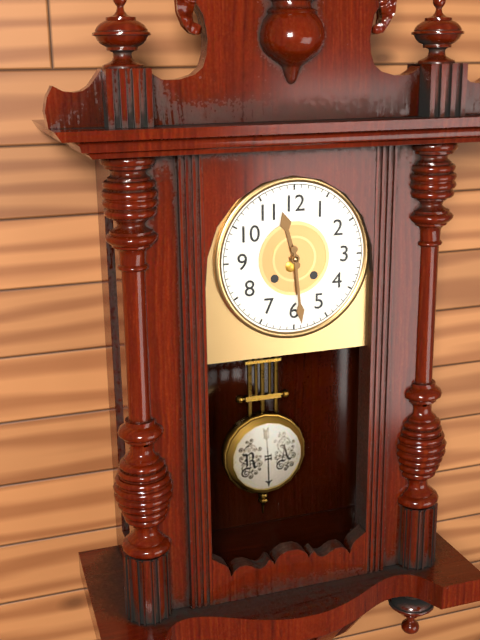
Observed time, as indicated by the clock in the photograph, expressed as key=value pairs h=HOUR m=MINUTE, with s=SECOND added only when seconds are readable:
h=11 m=29
